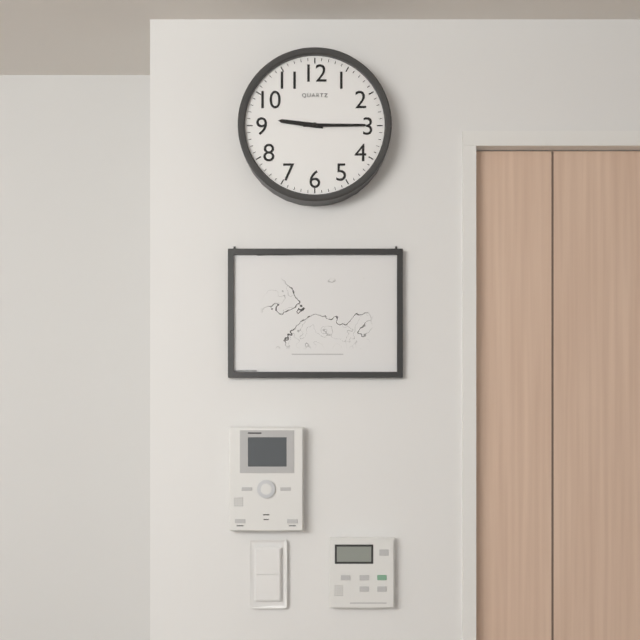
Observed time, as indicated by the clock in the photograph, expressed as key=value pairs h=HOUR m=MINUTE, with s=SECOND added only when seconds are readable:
h=9 m=15
